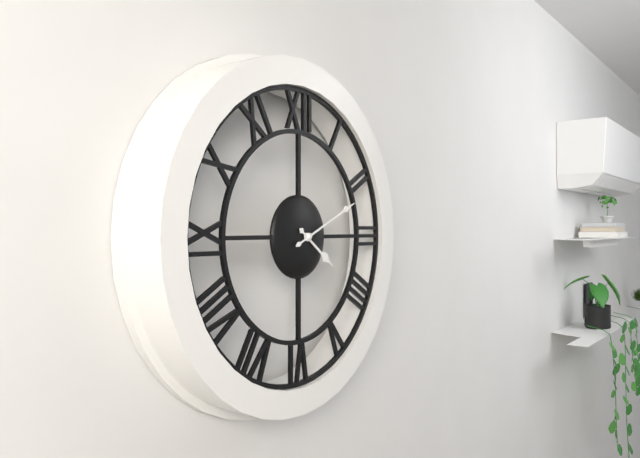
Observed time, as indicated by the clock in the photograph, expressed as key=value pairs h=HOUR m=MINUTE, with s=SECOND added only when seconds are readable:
h=4 m=11
